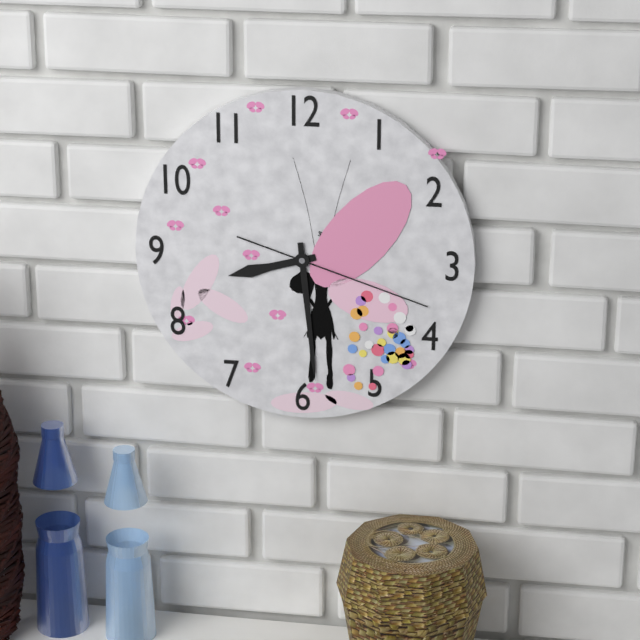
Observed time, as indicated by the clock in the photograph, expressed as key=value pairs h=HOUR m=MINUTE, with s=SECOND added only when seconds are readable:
h=8 m=29 s=18
